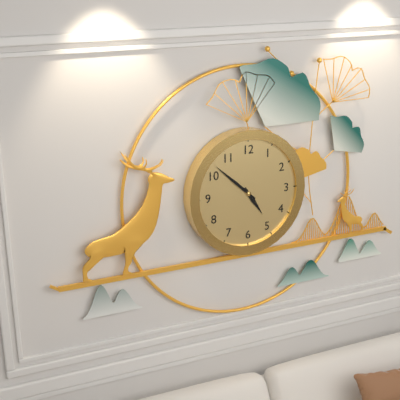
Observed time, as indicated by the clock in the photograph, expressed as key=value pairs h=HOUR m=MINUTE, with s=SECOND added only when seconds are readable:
h=4 m=52
